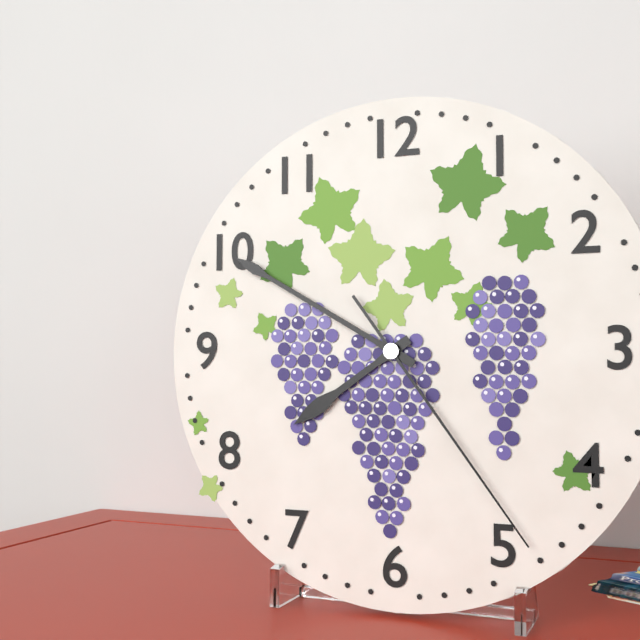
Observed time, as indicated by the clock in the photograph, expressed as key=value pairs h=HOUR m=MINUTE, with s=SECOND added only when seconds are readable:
h=7 m=50 s=24
